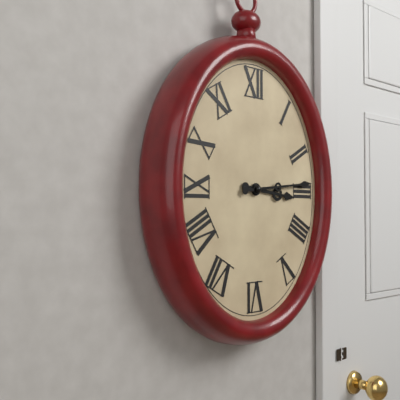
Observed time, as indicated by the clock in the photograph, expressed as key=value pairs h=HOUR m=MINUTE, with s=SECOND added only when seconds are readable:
h=3 m=14
